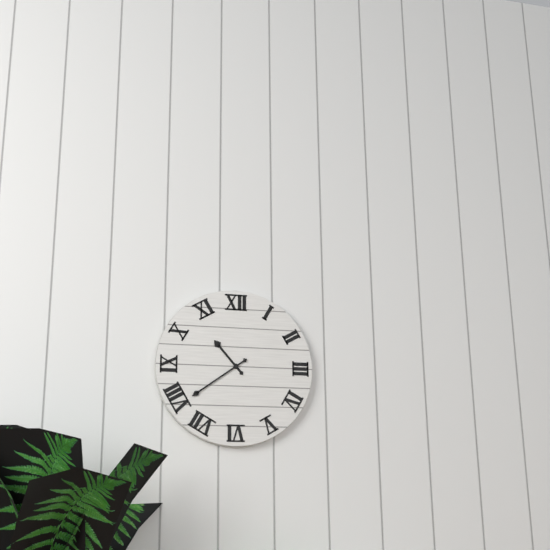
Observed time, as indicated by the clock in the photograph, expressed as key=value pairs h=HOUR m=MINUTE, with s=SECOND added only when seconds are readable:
h=10 m=39
